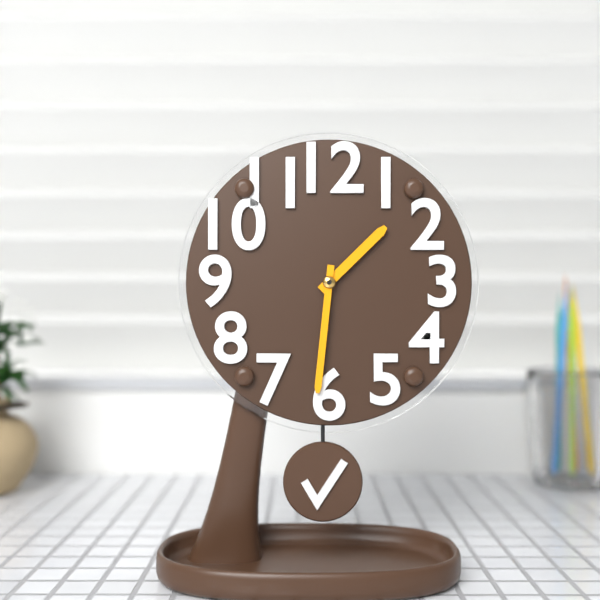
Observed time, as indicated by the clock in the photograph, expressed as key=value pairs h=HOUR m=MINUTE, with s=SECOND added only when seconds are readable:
h=1 m=31
